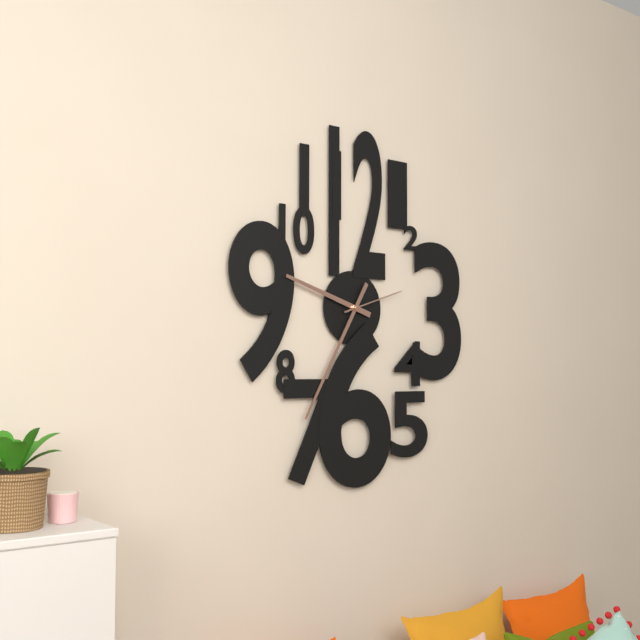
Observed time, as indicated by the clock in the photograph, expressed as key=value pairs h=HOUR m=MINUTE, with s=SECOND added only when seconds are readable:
h=9 m=35 s=12
